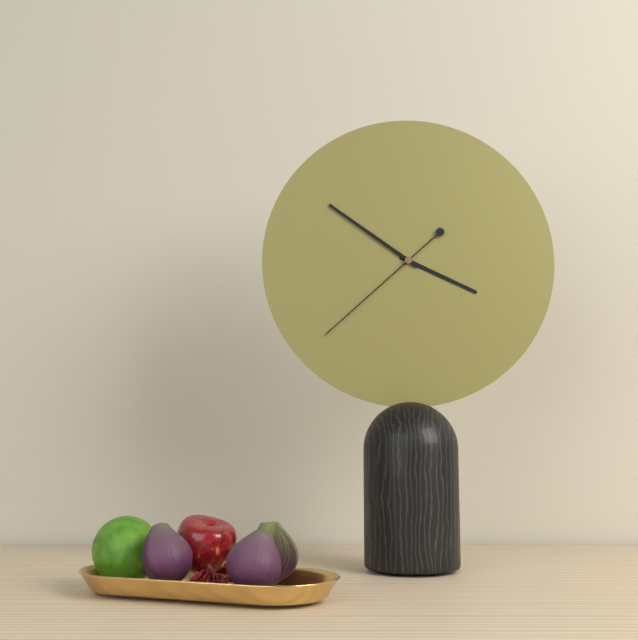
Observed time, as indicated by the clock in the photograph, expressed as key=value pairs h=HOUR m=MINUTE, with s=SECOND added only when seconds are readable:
h=3 m=51 s=38
